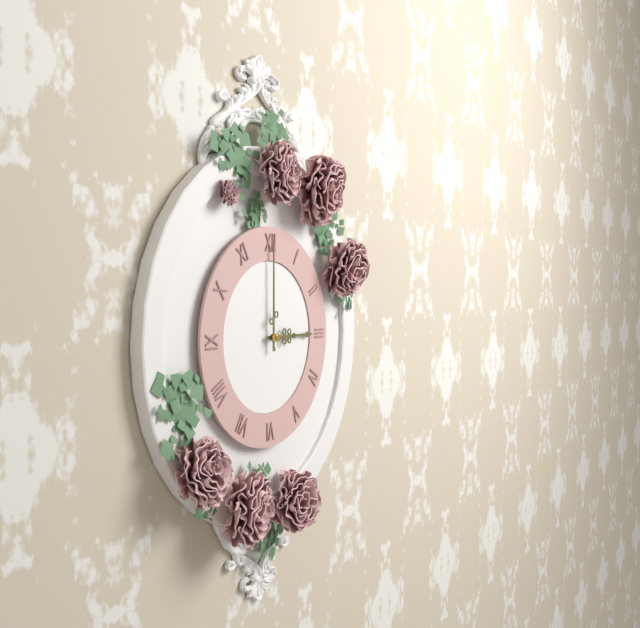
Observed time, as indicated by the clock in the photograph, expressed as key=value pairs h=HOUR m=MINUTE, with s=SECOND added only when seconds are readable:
h=3 m=0
